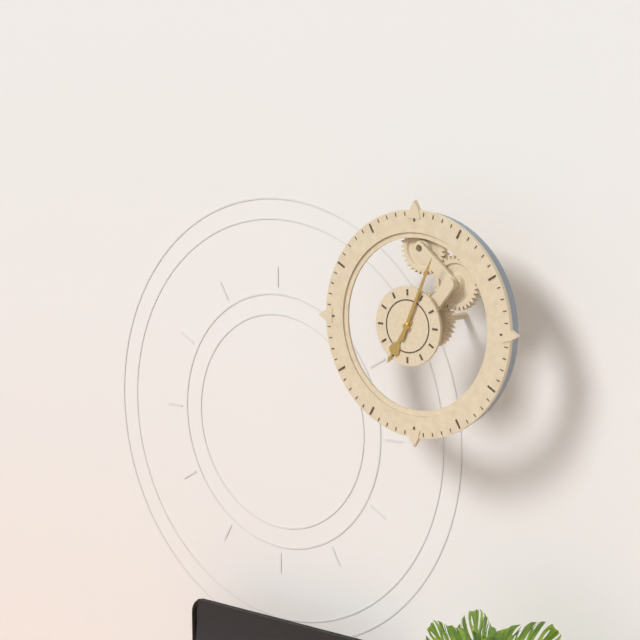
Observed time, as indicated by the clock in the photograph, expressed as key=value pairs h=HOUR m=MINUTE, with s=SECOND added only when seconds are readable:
h=7 m=4
